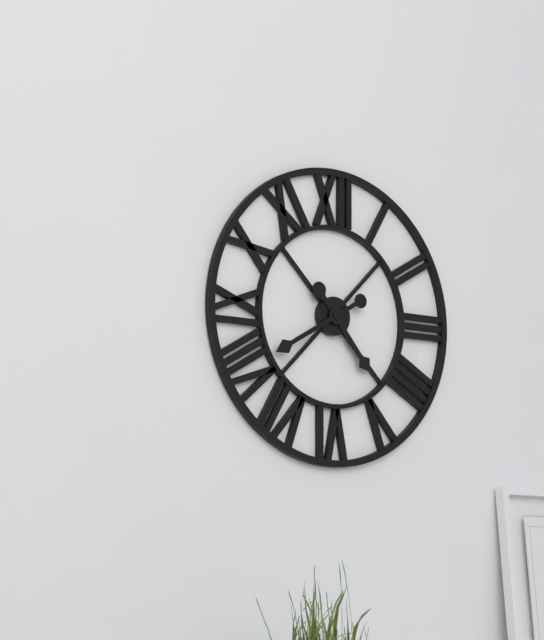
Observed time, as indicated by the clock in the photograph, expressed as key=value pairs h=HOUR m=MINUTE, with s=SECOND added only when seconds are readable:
h=4 m=40
